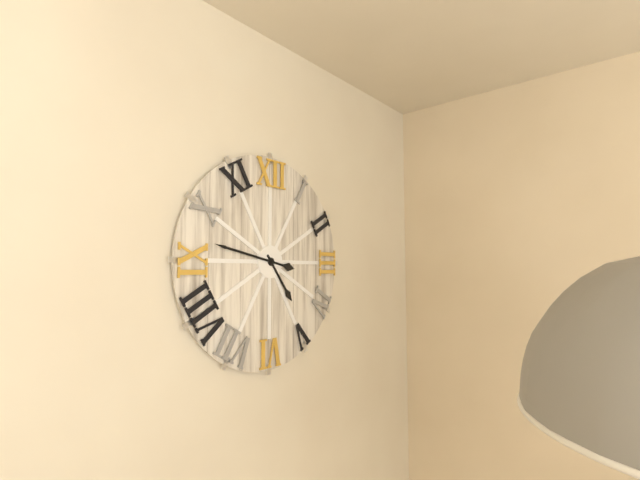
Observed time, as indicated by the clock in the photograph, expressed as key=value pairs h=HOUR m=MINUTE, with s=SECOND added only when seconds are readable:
h=4 m=47
